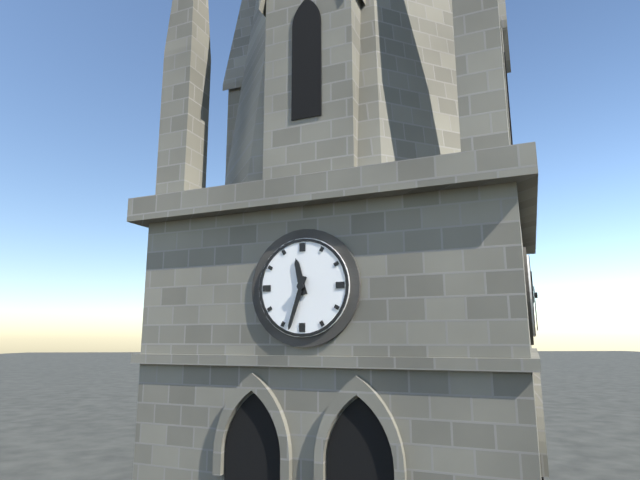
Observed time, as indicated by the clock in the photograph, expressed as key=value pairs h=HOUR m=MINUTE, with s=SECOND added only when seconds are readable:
h=11 m=33
